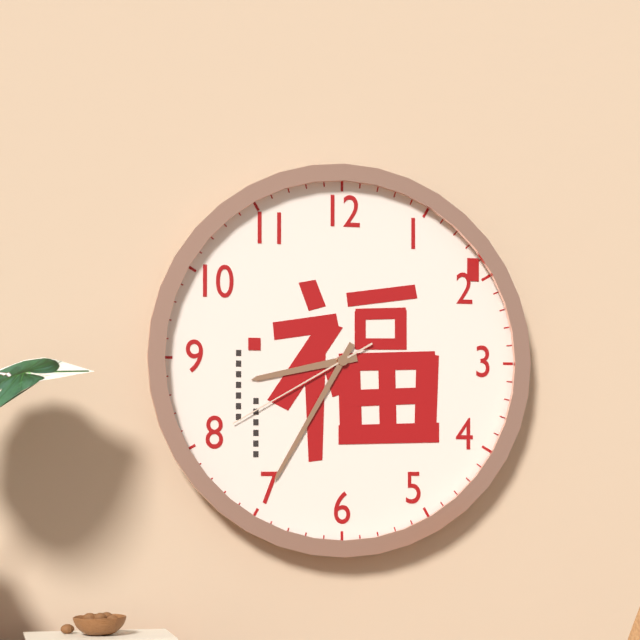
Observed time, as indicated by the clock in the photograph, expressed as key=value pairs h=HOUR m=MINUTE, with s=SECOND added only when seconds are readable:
h=8 m=35 s=40
